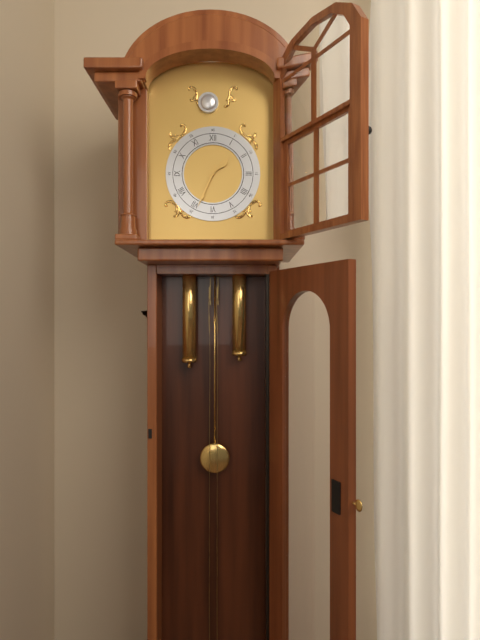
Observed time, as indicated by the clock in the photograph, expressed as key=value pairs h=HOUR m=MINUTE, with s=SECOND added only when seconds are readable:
h=1 m=34
